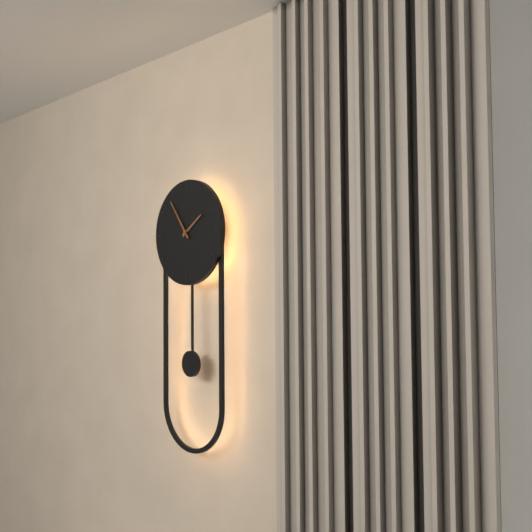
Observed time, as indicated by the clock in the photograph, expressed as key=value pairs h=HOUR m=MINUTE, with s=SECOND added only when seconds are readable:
h=1 m=54
